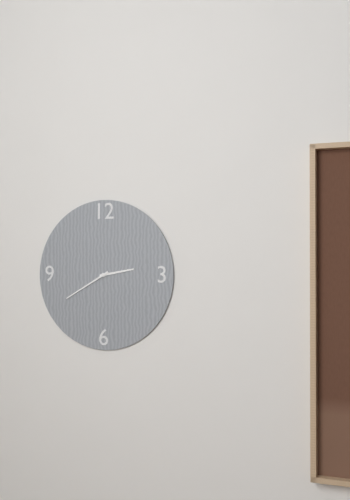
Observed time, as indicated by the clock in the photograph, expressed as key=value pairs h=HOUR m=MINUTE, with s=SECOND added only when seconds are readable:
h=2 m=40
